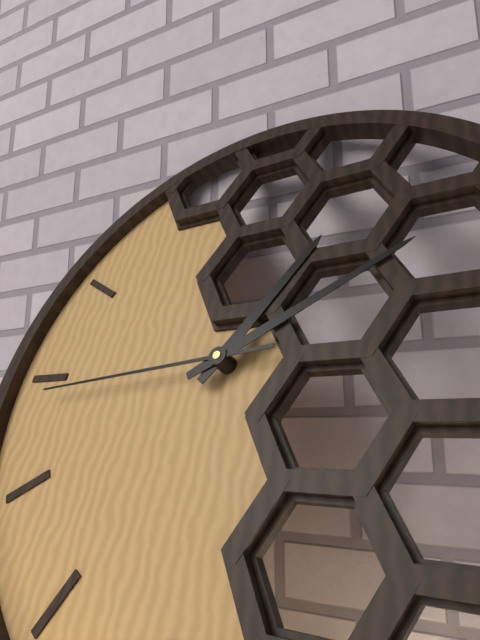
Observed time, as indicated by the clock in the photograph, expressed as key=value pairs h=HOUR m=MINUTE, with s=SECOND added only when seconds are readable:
h=1 m=10 s=44
